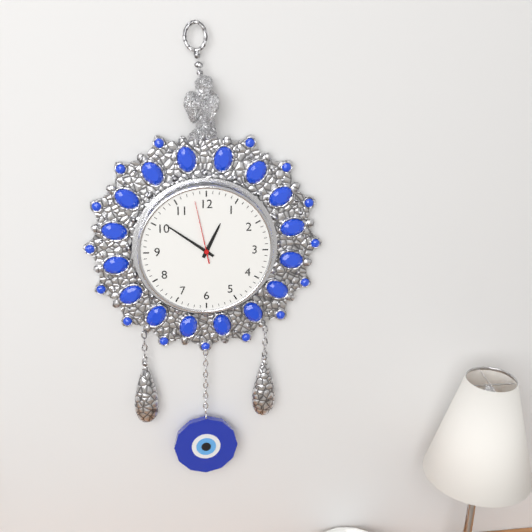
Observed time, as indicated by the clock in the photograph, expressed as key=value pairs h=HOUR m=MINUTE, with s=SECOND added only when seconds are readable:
h=12 m=51 s=58
